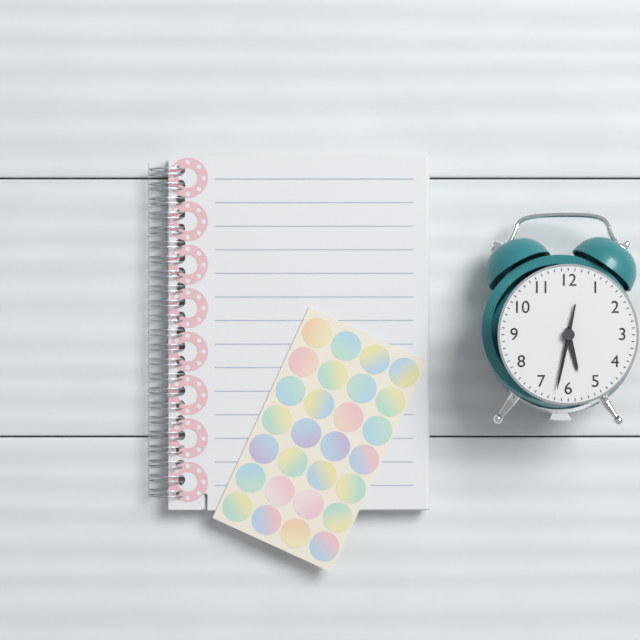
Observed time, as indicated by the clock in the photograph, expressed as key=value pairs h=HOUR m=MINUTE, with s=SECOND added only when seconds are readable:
h=5 m=32 s=32
